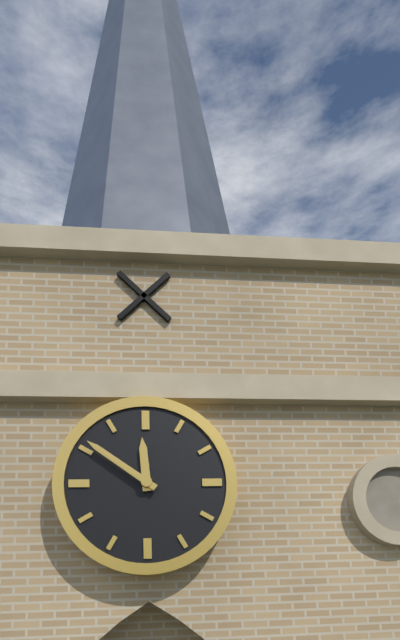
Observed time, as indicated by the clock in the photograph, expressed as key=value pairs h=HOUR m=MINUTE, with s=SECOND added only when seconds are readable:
h=11 m=51
